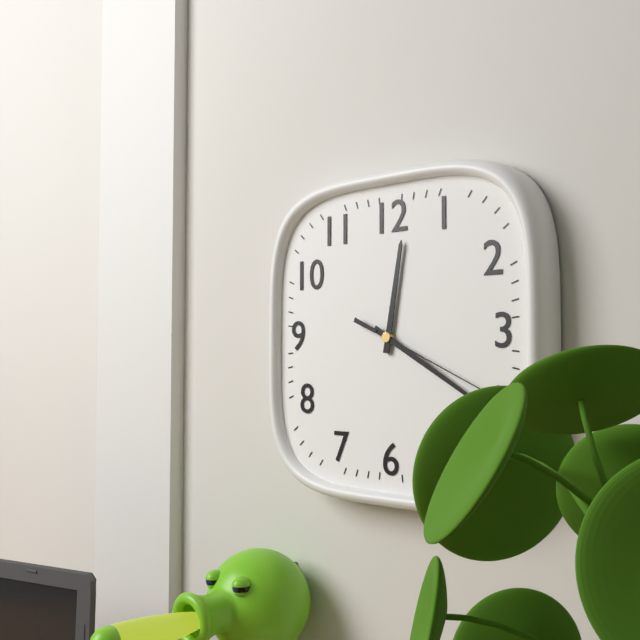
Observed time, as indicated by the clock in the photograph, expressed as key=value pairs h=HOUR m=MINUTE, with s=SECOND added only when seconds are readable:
h=12 m=20 s=19
